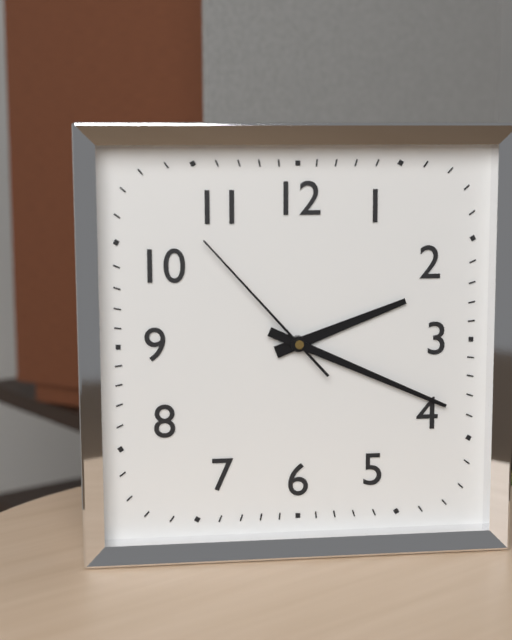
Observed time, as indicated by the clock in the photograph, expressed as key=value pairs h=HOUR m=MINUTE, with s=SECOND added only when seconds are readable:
h=2 m=19 s=53
